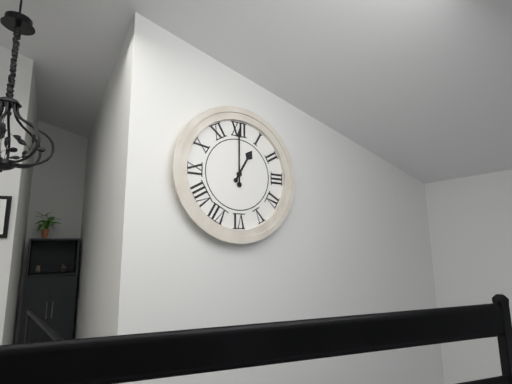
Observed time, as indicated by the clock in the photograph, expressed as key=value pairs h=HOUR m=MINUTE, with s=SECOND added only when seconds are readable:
h=1 m=0
